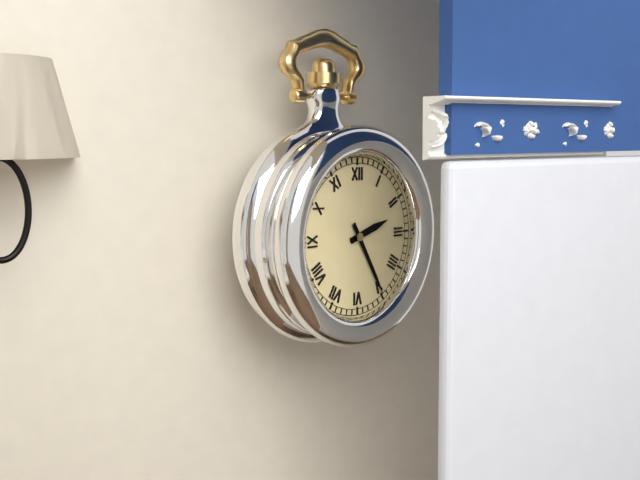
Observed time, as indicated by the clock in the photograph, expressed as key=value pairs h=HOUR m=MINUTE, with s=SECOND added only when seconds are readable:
h=2 m=25
